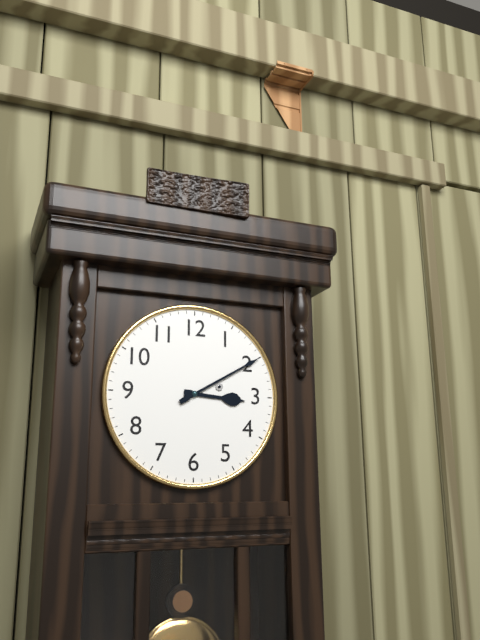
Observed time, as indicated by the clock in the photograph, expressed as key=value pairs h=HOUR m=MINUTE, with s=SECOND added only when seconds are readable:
h=3 m=10
